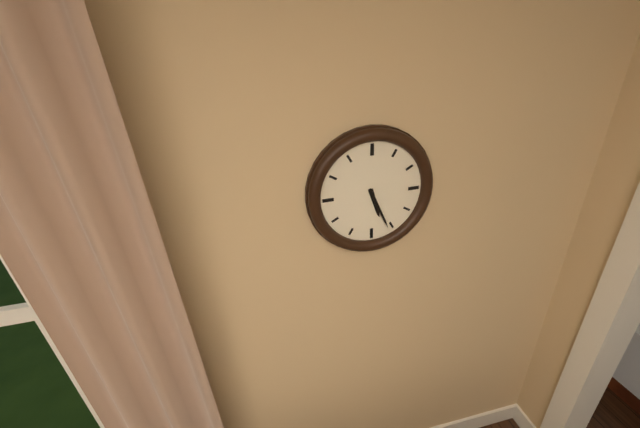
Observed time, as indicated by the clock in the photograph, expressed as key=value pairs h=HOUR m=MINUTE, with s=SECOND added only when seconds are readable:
h=5 m=26
